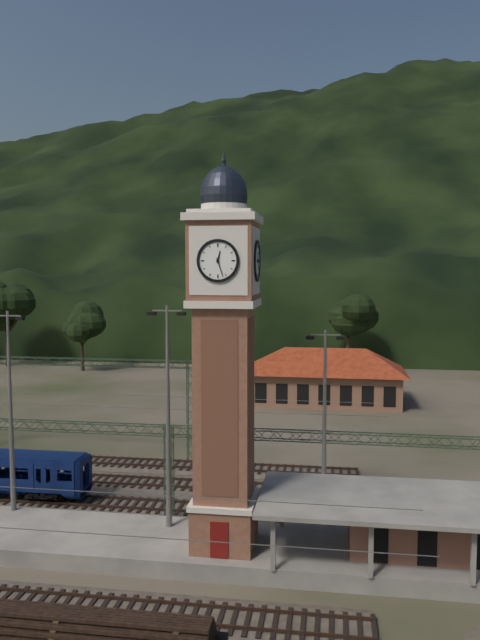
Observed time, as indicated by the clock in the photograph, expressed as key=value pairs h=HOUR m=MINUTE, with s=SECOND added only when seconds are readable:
h=12 m=27
